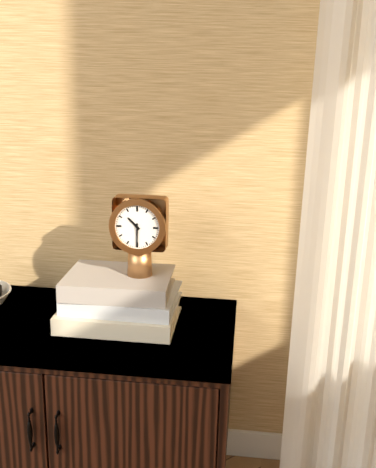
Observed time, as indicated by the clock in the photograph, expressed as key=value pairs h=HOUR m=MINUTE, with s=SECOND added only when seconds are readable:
h=10 m=30
